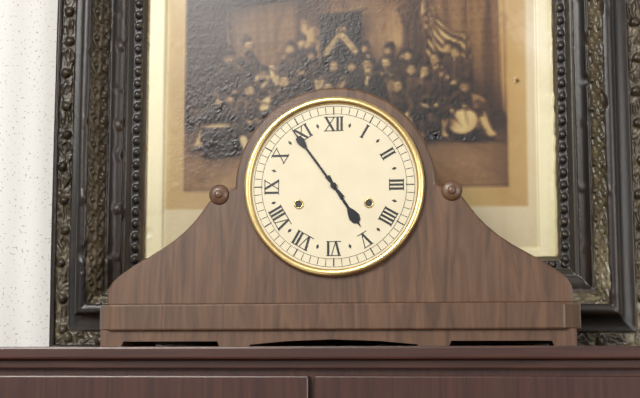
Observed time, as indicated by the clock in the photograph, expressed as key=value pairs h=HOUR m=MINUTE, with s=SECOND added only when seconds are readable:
h=4 m=54
